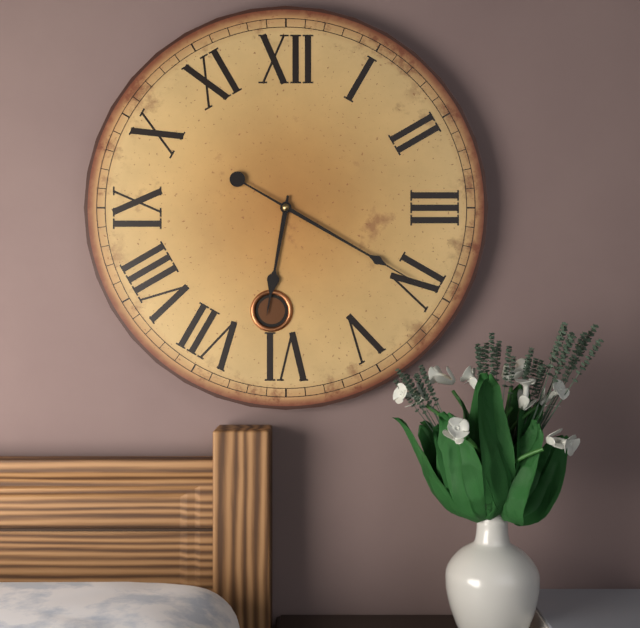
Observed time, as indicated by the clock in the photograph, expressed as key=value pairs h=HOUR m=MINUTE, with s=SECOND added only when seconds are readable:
h=6 m=20
